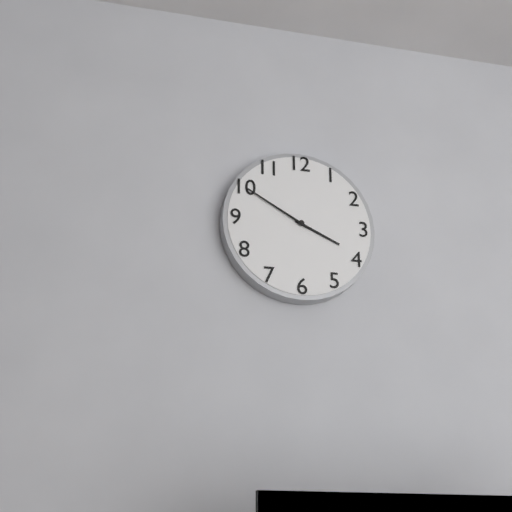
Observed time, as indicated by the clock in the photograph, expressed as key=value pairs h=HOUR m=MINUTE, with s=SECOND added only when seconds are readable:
h=3 m=50
